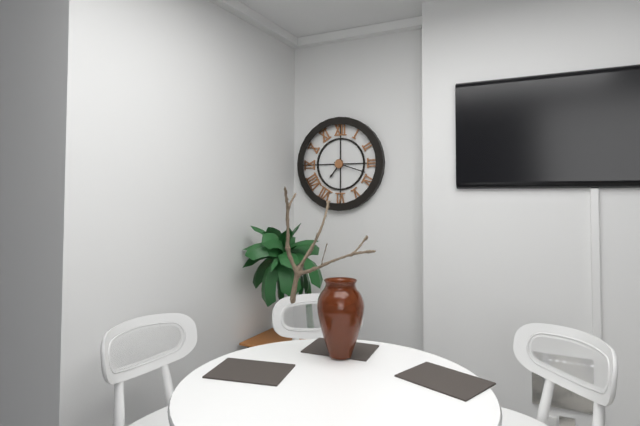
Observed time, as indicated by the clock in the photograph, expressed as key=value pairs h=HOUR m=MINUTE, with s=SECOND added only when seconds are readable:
h=7 m=18
